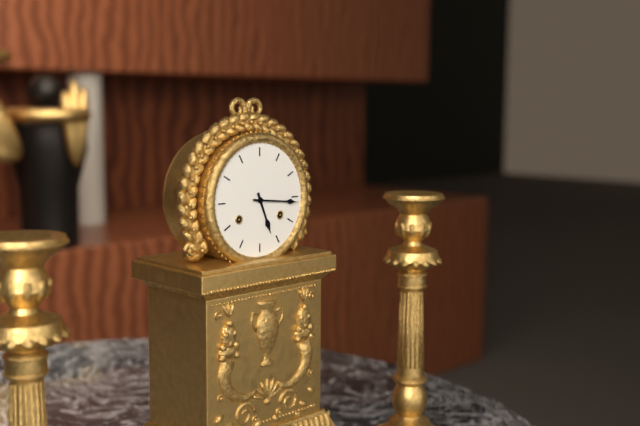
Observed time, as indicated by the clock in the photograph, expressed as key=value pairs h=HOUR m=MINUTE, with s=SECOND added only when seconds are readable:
h=5 m=16
